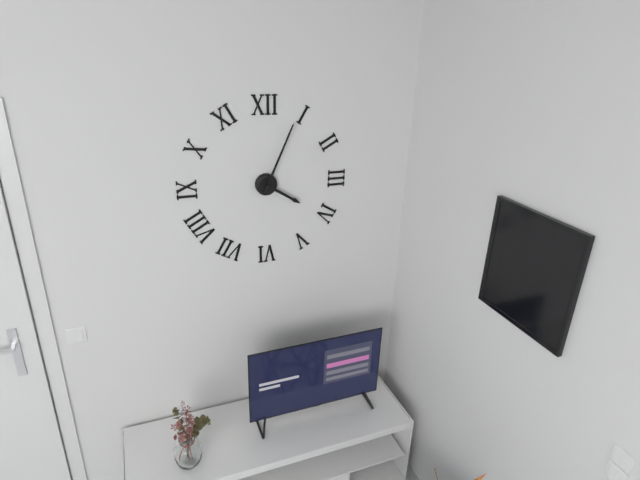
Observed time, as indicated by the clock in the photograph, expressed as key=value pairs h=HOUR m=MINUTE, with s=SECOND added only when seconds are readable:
h=4 m=4
